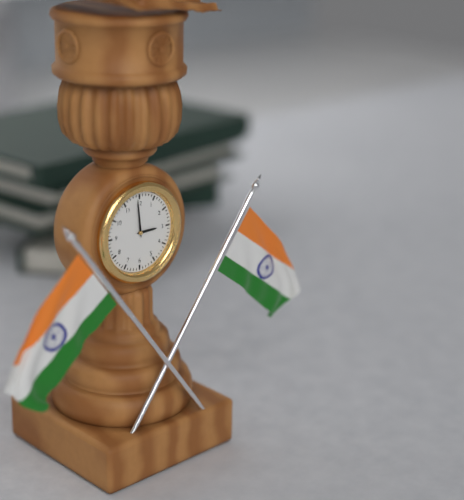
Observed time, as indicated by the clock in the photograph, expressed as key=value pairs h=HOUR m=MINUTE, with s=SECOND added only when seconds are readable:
h=2 m=59
